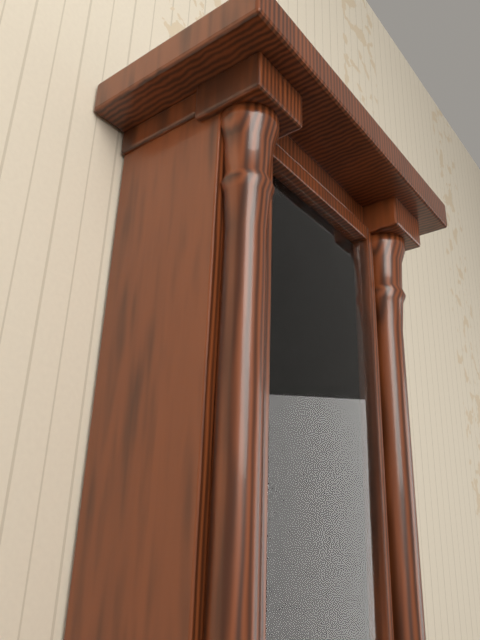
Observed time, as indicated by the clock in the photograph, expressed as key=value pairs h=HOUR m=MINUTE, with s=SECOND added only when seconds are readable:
h=8 m=2
